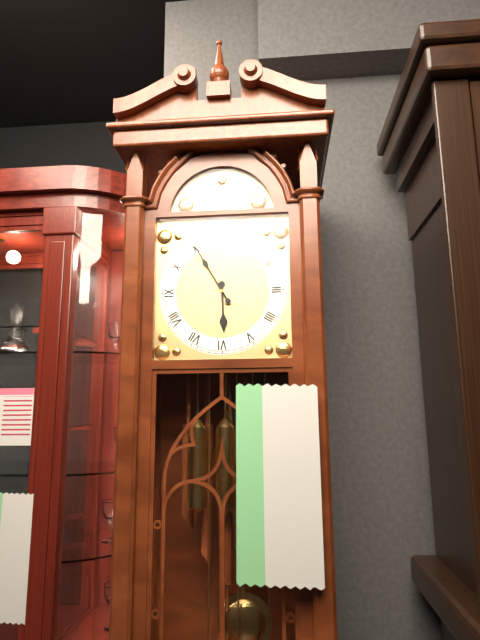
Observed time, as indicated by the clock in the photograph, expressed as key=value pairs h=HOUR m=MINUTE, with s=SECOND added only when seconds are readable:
h=5 m=55
